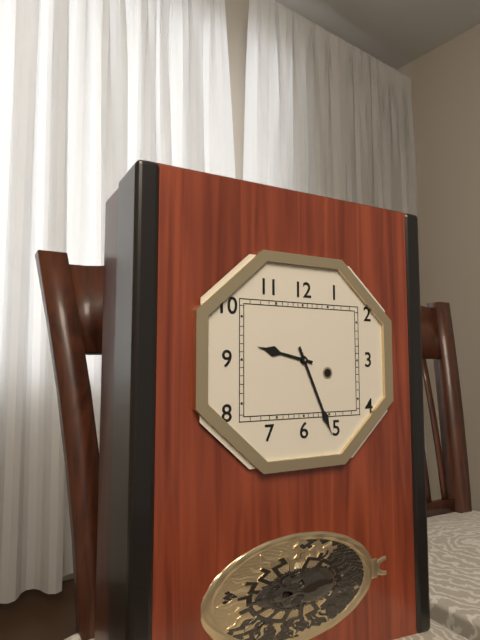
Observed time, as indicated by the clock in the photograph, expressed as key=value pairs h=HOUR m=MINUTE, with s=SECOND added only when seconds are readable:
h=9 m=26
